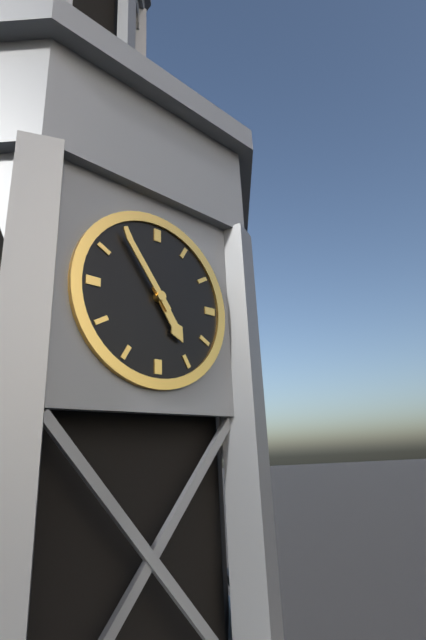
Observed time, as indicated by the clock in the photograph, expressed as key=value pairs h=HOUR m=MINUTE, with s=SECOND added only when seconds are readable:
h=4 m=54
